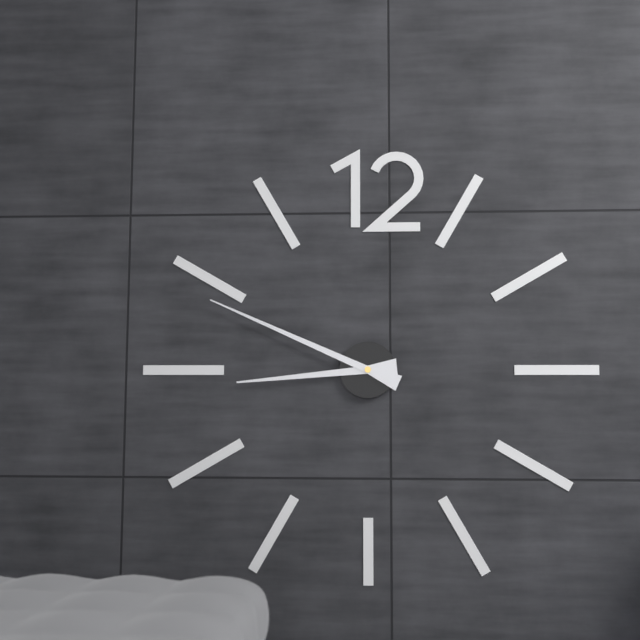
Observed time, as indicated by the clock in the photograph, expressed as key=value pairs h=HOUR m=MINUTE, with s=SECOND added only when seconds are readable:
h=8 m=49
